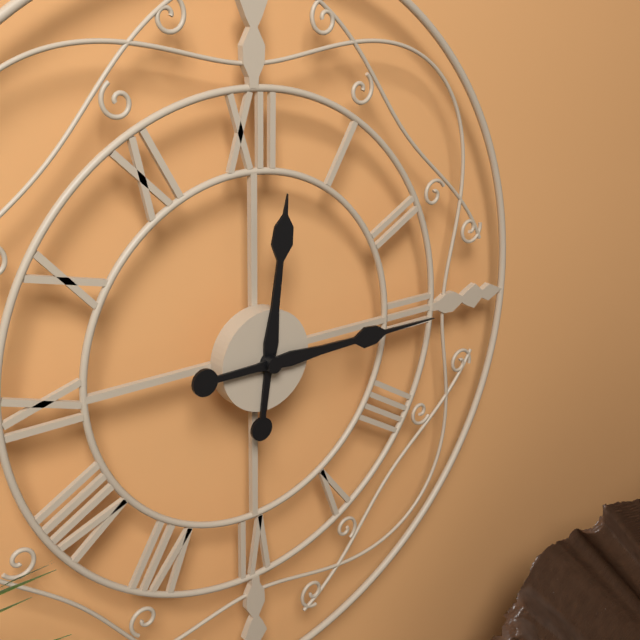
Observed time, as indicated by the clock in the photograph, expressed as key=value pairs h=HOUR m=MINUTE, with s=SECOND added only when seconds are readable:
h=12 m=15
